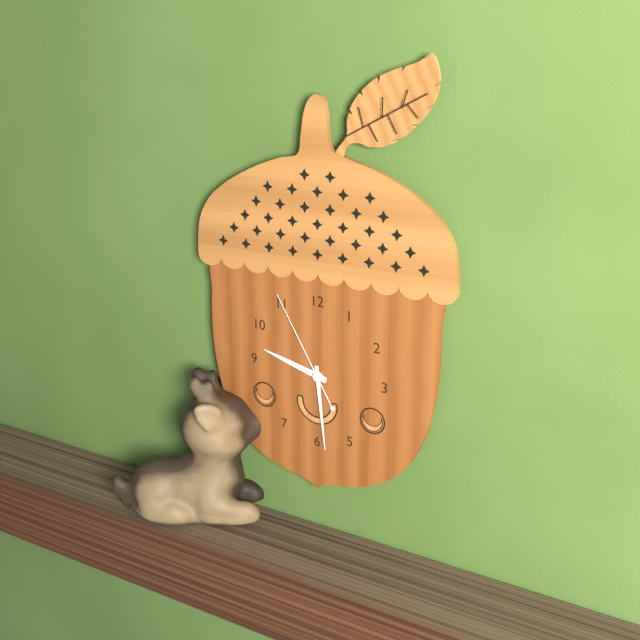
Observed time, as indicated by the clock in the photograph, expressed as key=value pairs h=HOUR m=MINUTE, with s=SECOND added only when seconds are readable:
h=9 m=29 s=55
